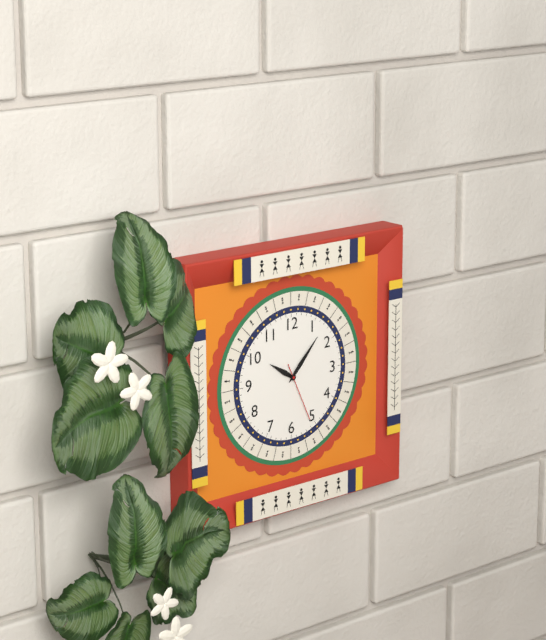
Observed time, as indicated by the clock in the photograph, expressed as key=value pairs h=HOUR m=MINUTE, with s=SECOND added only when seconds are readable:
h=10 m=7 s=26
